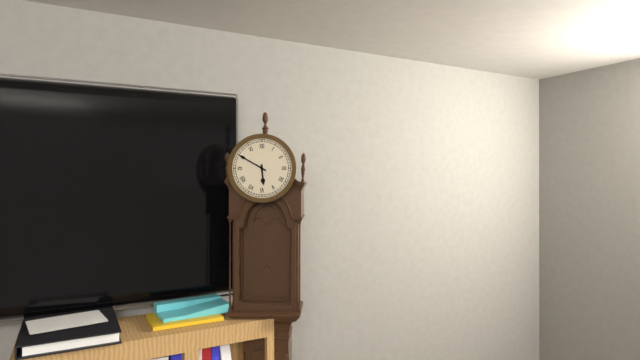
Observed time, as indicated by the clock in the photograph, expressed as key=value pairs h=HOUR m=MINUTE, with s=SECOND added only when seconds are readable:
h=5 m=50
